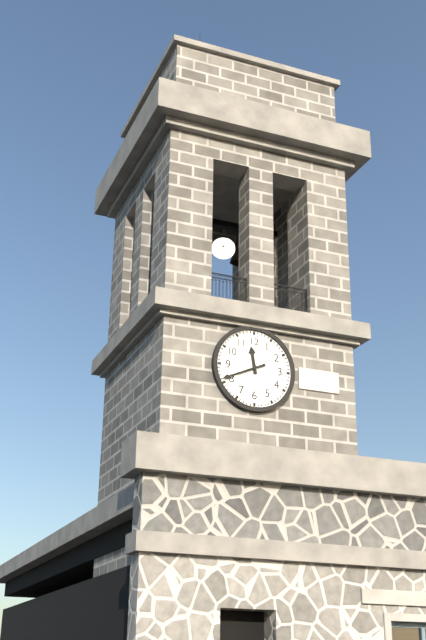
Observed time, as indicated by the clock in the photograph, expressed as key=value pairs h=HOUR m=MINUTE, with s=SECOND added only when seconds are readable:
h=11 m=41
